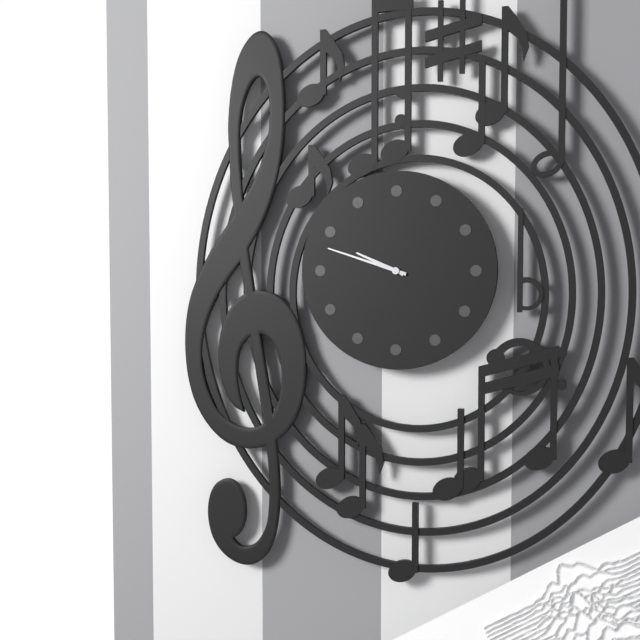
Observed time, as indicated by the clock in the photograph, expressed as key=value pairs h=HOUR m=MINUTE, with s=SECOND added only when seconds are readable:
h=9 m=48
